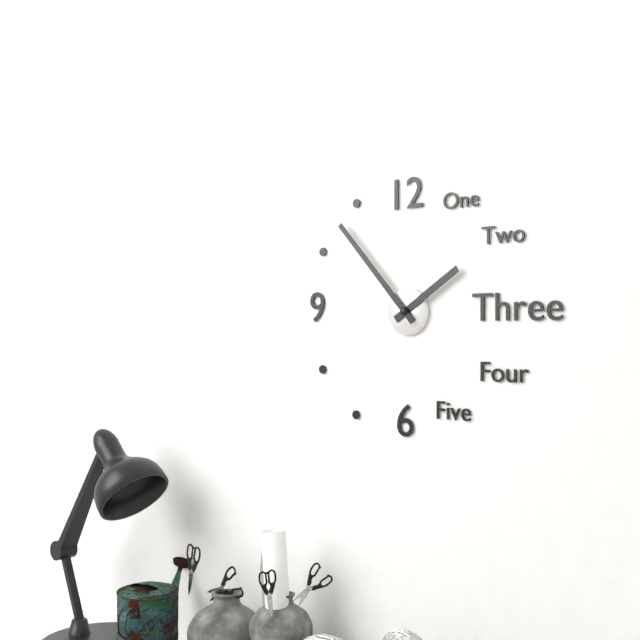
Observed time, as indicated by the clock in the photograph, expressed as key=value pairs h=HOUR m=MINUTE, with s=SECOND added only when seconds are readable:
h=1 m=53
